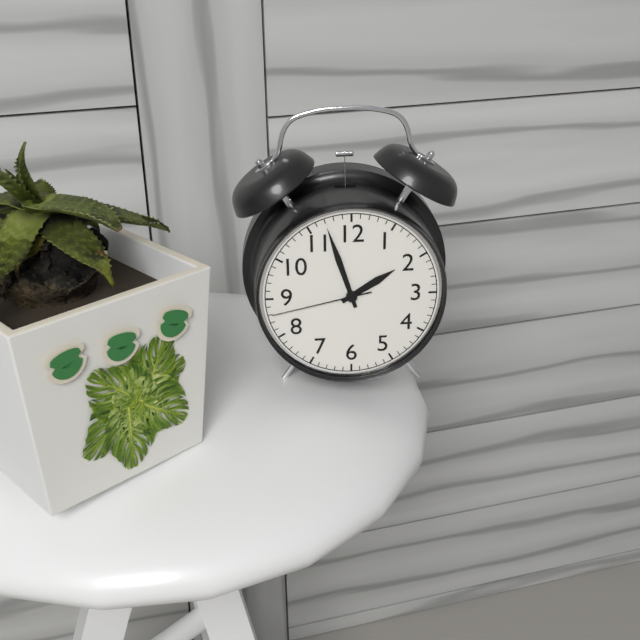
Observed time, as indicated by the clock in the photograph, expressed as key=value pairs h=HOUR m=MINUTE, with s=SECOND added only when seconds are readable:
h=1 m=57 s=43
